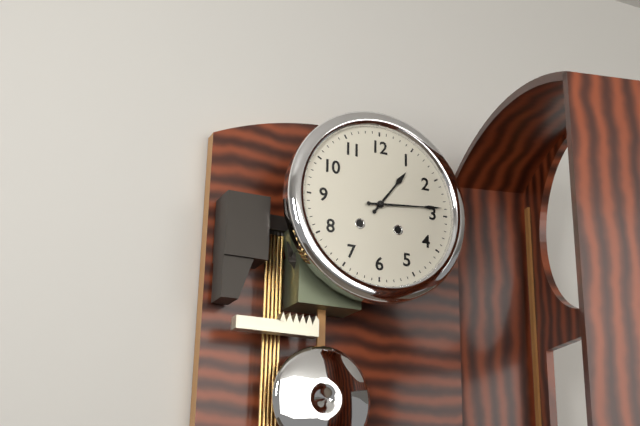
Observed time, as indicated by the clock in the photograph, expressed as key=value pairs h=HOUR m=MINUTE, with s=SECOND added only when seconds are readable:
h=1 m=14
